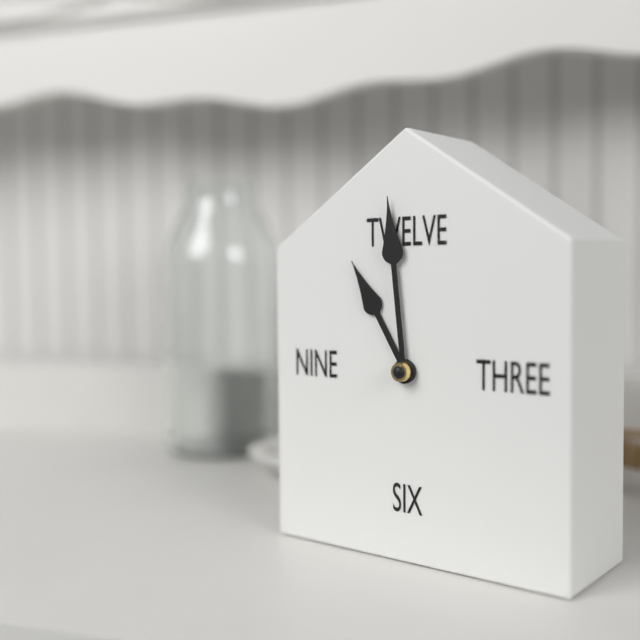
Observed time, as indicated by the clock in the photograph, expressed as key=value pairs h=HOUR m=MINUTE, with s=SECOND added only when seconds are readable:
h=10 m=59
